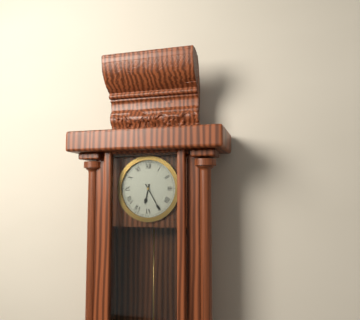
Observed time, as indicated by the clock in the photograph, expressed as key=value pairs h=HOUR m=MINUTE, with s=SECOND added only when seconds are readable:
h=6 m=25
